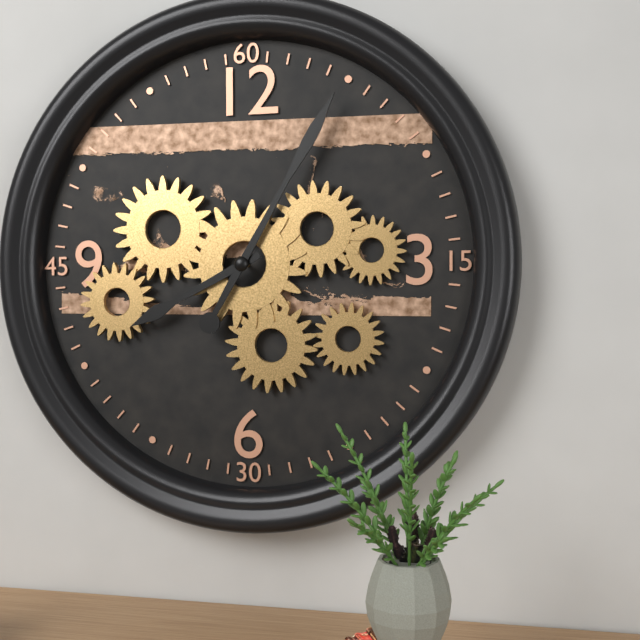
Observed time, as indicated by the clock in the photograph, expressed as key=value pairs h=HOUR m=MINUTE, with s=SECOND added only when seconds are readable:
h=8 m=5
